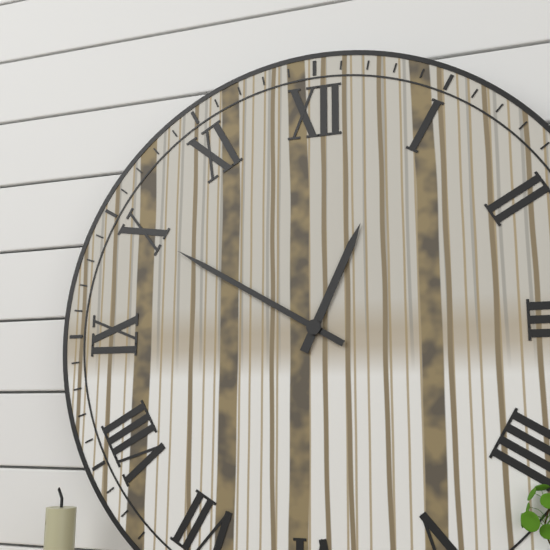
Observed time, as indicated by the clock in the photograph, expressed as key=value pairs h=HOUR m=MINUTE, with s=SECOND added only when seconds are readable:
h=12 m=50
